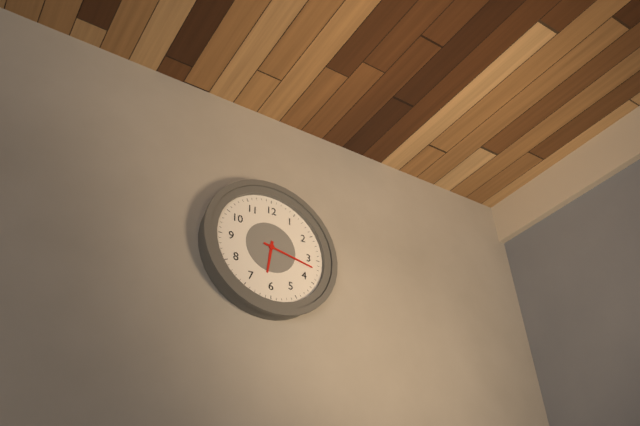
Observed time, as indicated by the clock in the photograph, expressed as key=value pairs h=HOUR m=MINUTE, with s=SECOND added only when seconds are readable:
h=6 m=17
